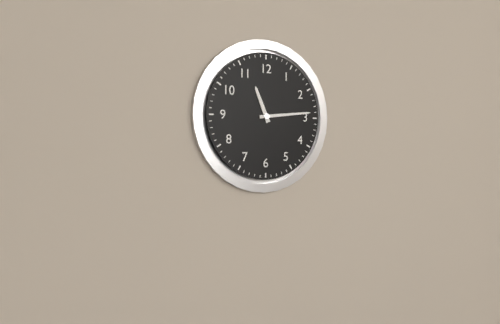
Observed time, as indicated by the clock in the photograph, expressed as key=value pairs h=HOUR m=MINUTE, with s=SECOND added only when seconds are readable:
h=11 m=14
